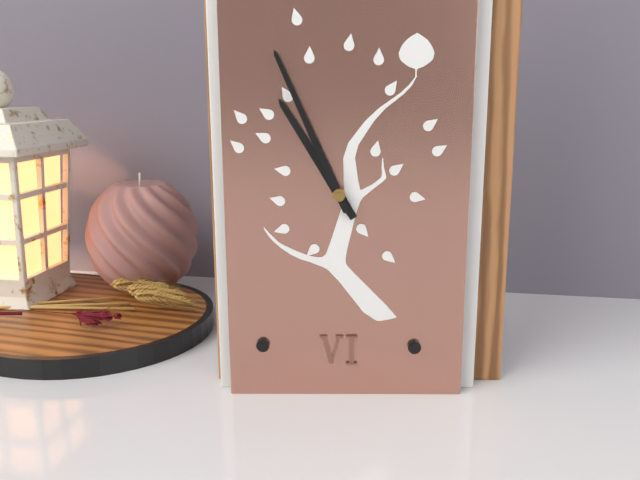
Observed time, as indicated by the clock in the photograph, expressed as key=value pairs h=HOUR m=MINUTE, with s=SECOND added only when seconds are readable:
h=10 m=56
